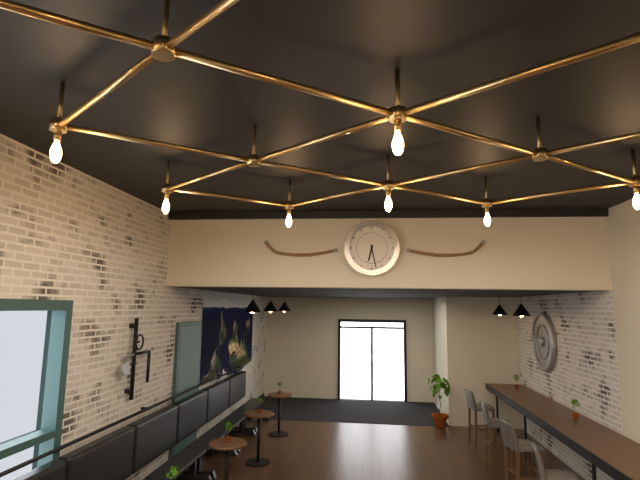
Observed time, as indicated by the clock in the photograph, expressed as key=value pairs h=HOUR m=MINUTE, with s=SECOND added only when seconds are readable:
h=6 m=28
